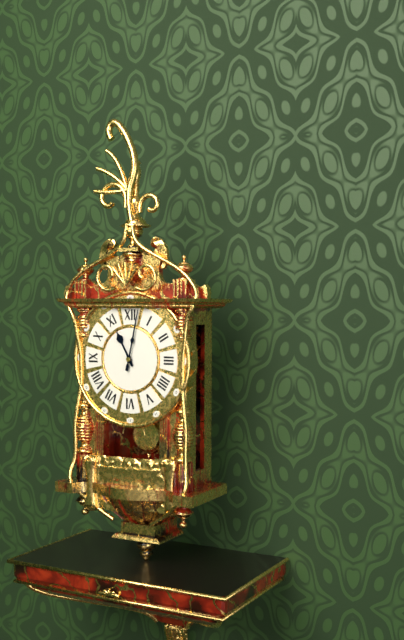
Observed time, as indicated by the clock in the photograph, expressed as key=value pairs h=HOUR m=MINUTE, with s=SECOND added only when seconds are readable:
h=11 m=2
